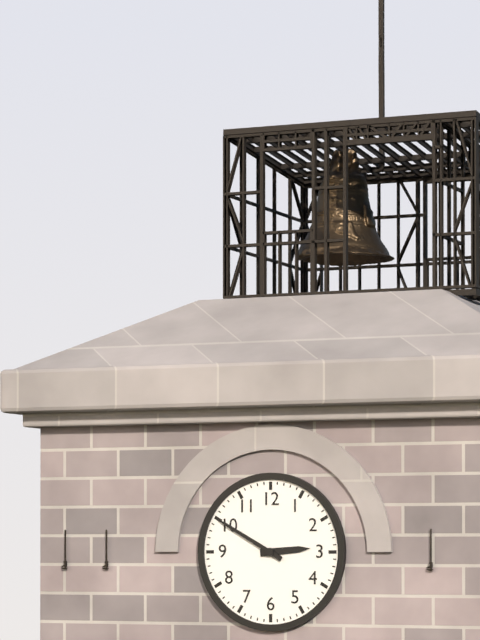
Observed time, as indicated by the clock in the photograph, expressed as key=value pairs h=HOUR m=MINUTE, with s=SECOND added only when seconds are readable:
h=2 m=50
